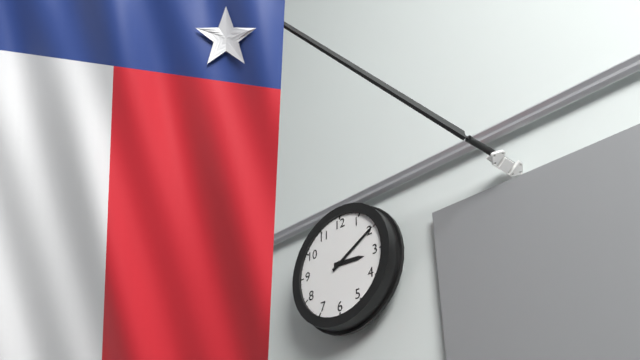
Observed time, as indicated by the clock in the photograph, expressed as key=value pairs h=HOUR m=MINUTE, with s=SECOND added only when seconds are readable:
h=3 m=10
